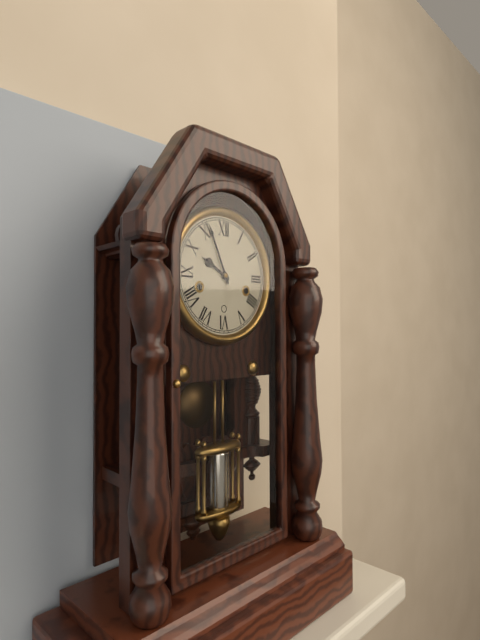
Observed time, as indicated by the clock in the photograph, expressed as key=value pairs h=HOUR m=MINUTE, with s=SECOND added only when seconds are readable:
h=9 m=56
